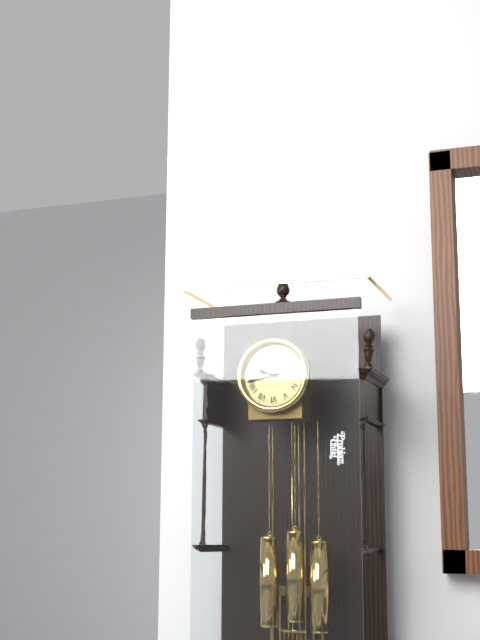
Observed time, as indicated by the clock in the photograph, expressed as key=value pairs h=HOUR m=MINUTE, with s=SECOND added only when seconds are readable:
h=9 m=43
